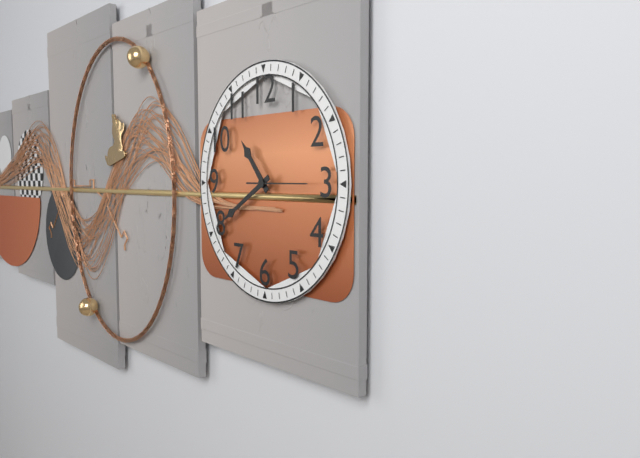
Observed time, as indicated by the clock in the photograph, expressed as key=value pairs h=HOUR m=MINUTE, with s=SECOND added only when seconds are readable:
h=10 m=40 s=15
